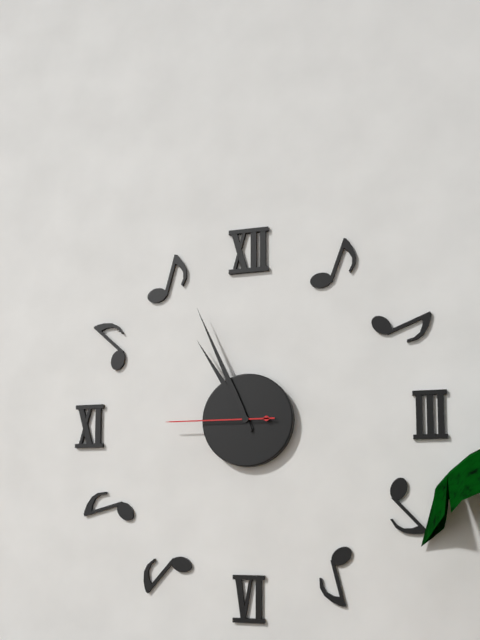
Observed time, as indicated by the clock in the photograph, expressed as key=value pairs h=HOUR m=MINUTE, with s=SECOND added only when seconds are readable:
h=10 m=56 s=45
